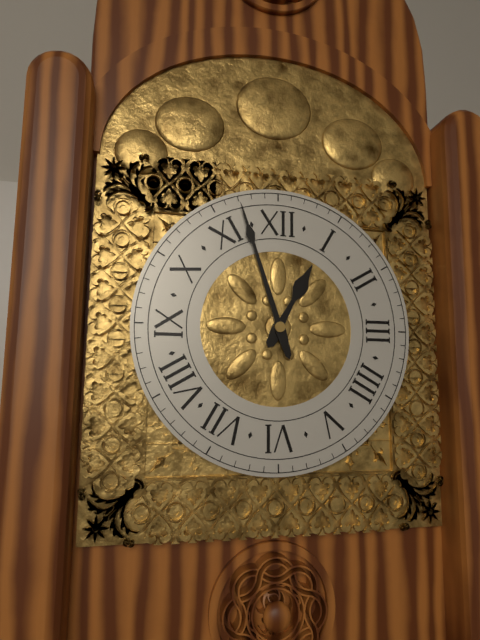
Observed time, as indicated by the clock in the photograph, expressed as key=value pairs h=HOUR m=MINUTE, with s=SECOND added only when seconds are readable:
h=12 m=57
